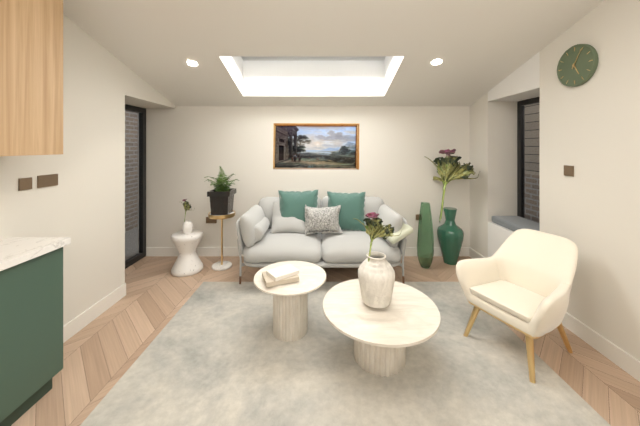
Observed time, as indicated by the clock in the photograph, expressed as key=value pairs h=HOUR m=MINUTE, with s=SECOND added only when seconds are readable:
h=5 m=5
